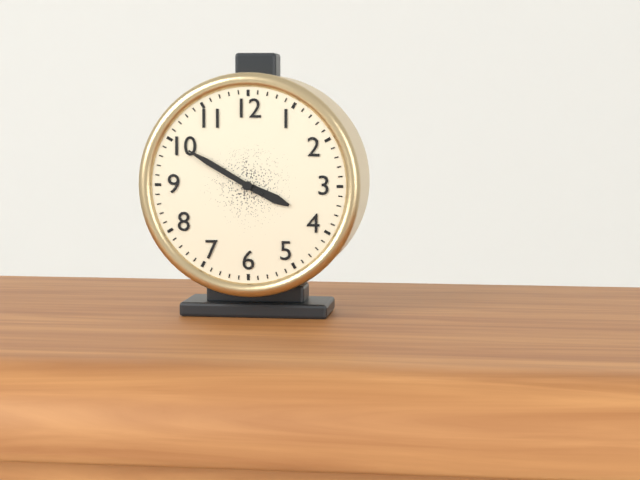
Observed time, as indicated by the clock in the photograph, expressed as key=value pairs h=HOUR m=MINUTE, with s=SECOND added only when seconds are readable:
h=3 m=50
